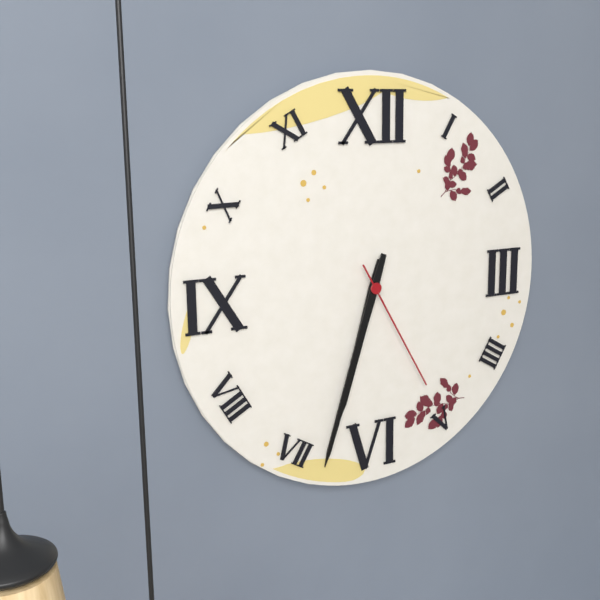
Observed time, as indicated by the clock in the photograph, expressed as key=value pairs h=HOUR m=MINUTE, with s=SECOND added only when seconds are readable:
h=6 m=33 s=25
